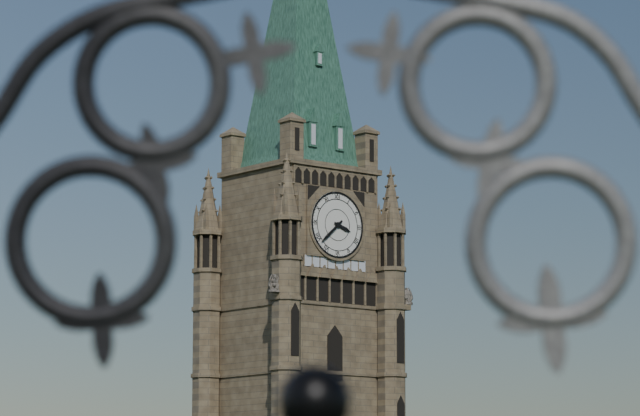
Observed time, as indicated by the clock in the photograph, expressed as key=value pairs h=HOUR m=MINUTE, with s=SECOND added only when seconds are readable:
h=3 m=38
